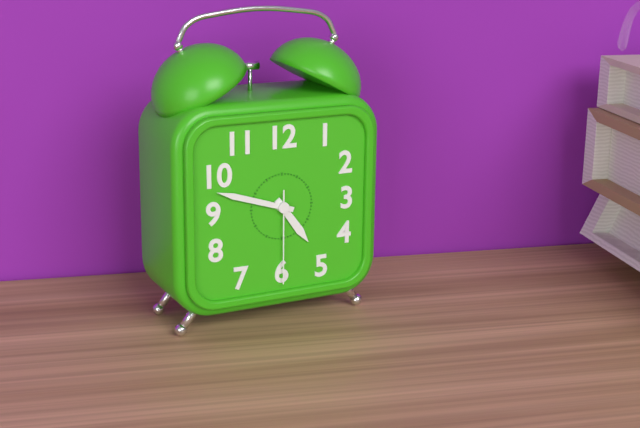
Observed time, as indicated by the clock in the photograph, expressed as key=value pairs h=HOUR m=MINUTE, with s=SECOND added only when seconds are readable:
h=4 m=48 s=30
